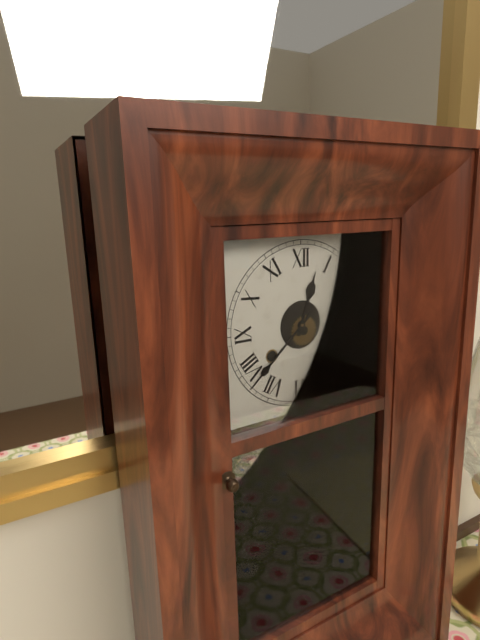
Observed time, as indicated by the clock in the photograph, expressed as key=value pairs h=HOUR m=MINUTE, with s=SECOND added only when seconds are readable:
h=12 m=38
